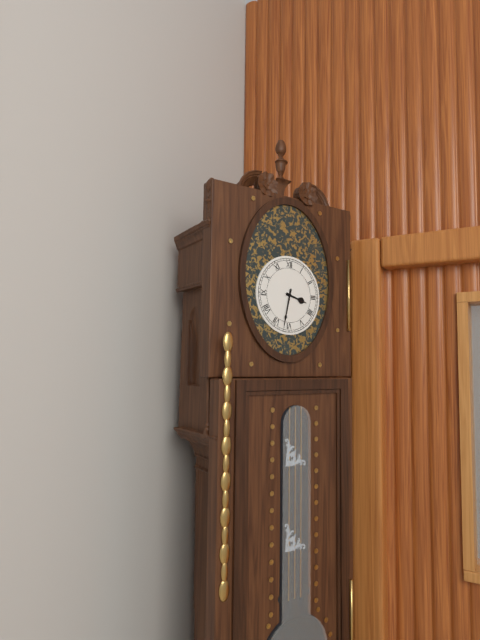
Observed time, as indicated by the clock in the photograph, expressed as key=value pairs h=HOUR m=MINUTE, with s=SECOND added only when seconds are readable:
h=3 m=32
